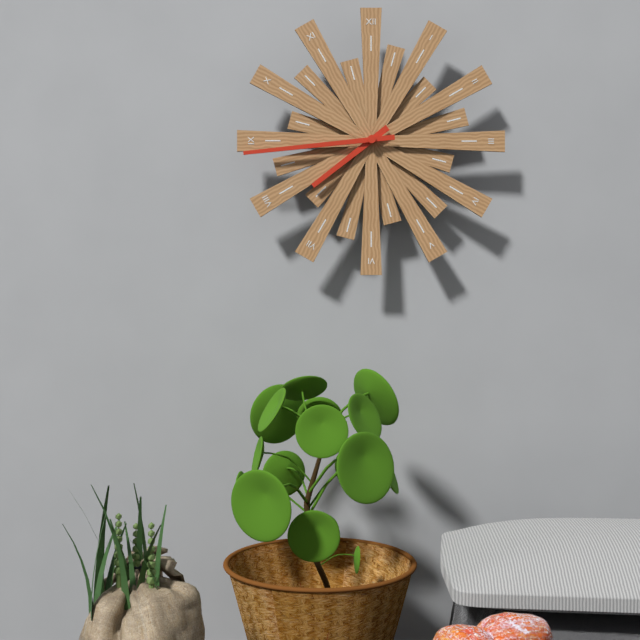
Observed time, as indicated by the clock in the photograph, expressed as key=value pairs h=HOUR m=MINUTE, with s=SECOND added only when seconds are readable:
h=7 m=44
